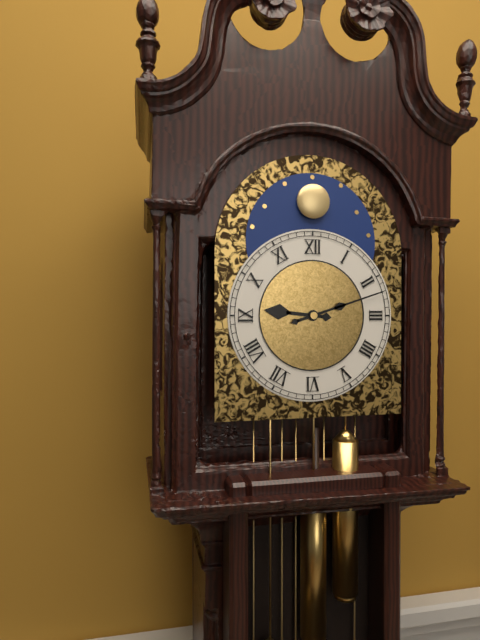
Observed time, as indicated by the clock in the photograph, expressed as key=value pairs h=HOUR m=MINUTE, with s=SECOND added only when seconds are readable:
h=9 m=12
